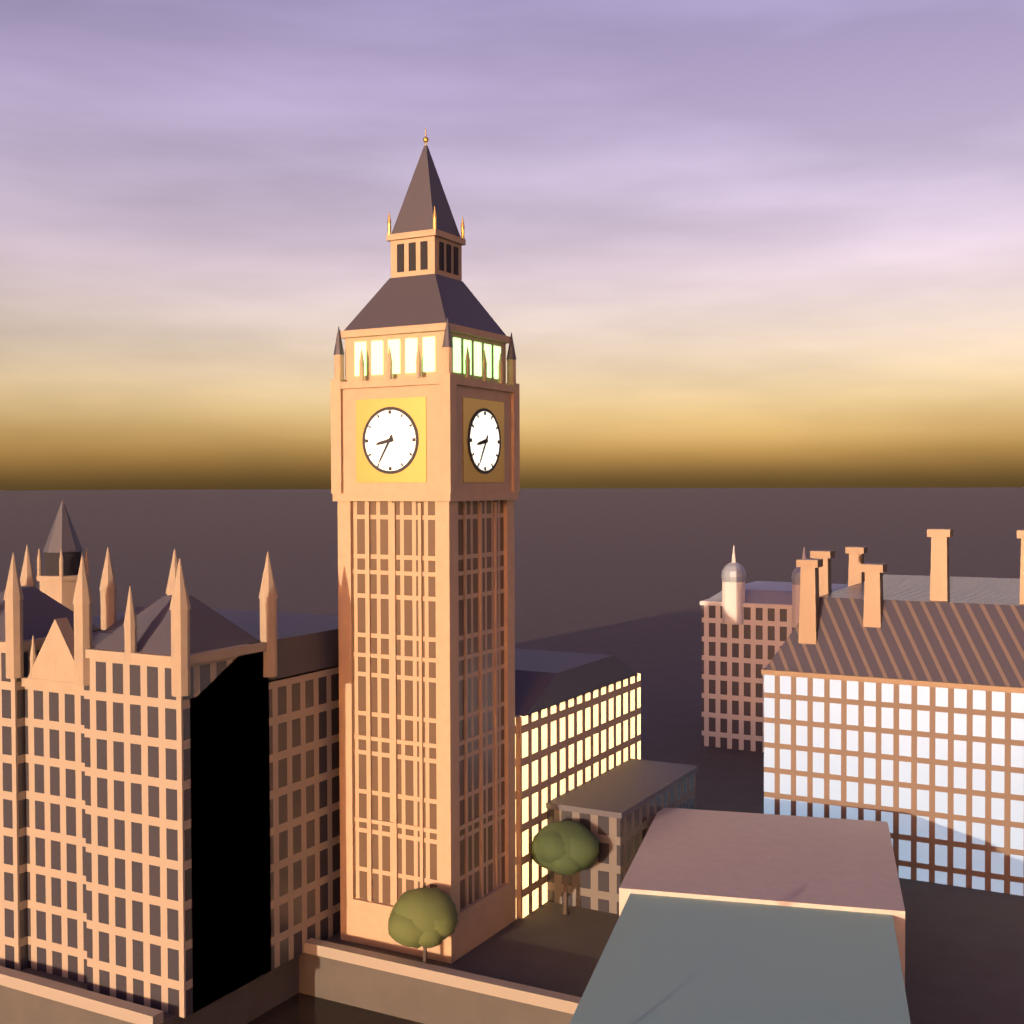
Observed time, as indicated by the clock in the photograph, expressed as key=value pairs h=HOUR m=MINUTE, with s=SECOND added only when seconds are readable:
h=8 m=35
